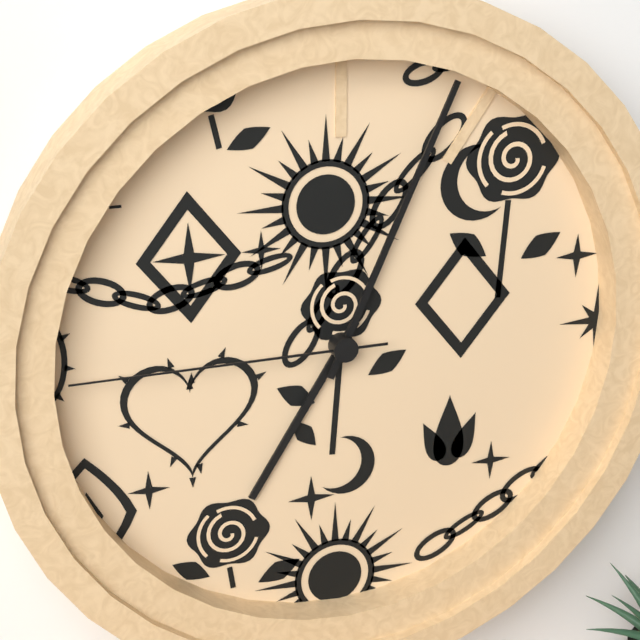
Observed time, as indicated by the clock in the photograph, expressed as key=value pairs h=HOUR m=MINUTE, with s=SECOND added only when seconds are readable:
h=7 m=4 s=45
